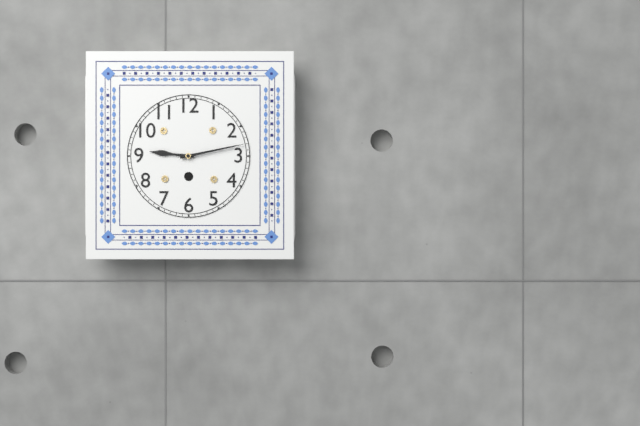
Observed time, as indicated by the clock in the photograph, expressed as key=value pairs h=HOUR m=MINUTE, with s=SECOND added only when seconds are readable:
h=9 m=13
